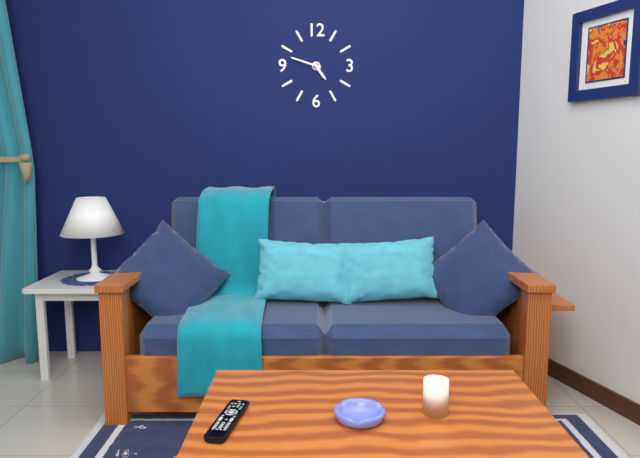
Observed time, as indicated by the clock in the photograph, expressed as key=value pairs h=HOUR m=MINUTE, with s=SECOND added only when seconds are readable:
h=4 m=48
